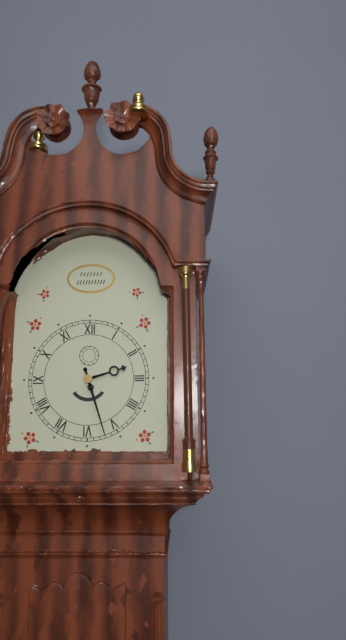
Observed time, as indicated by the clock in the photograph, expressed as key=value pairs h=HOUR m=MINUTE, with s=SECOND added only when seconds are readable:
h=2 m=27
